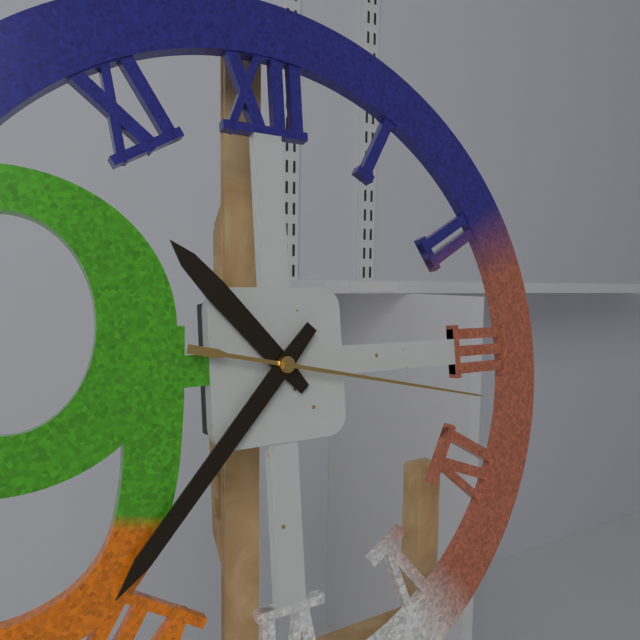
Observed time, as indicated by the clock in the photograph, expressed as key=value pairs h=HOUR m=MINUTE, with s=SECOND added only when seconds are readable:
h=10 m=37 s=17
